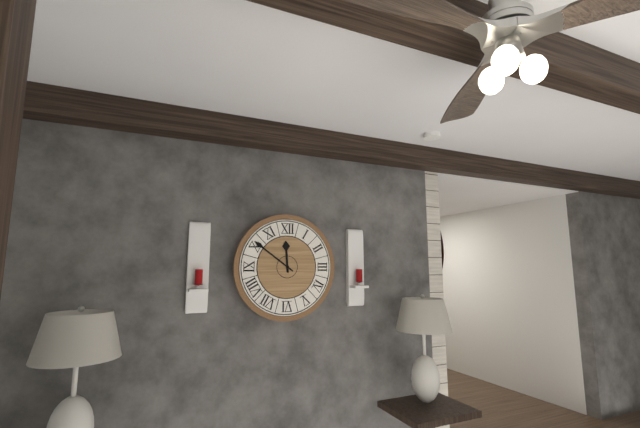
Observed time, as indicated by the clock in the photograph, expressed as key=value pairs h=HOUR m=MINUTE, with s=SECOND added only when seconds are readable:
h=11 m=51
